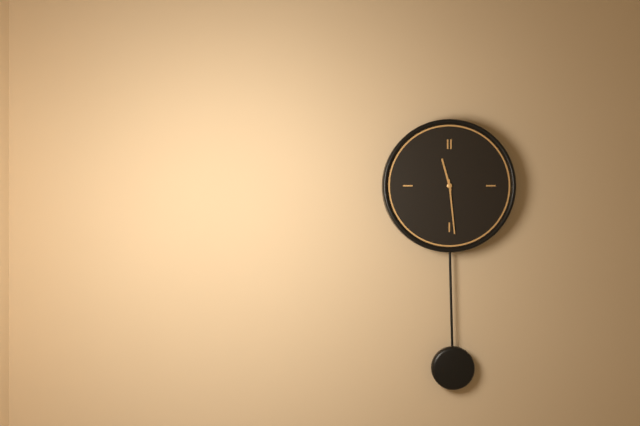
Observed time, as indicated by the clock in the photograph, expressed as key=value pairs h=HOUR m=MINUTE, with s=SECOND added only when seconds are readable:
h=11 m=29
